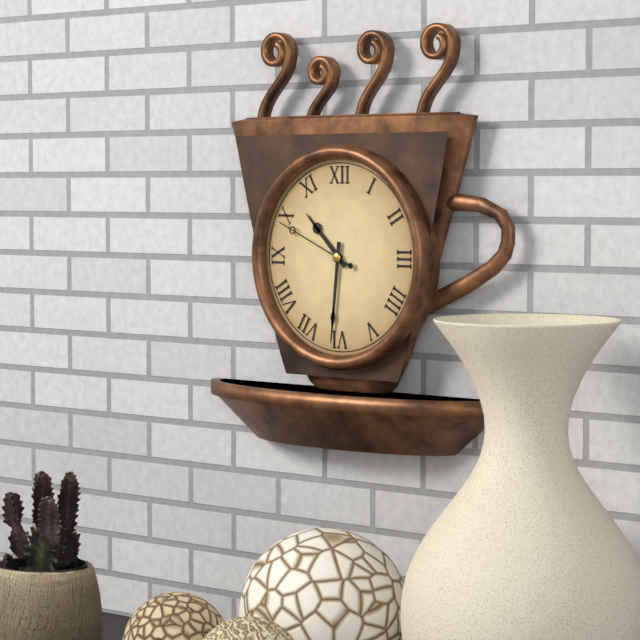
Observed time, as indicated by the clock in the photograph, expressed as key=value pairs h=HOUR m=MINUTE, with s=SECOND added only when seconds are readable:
h=10 m=31 s=49
